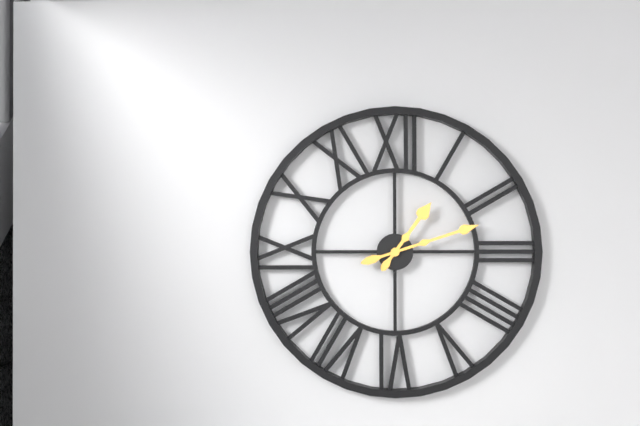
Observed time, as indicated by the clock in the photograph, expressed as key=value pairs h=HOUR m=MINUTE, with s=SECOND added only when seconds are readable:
h=1 m=12
